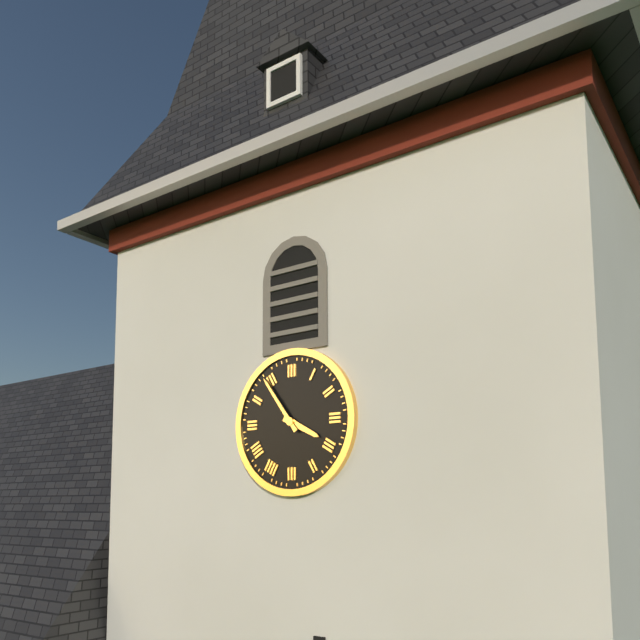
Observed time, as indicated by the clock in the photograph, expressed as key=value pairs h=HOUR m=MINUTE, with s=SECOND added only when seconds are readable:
h=3 m=54
